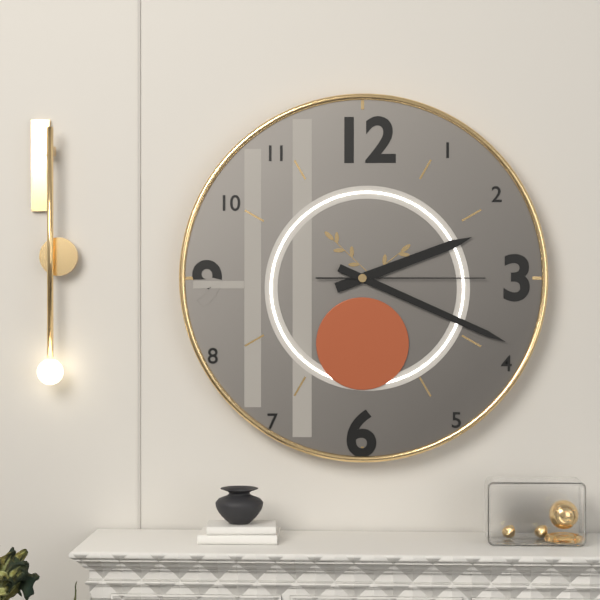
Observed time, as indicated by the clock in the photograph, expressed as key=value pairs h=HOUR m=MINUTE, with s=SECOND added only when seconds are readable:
h=2 m=19 s=15
